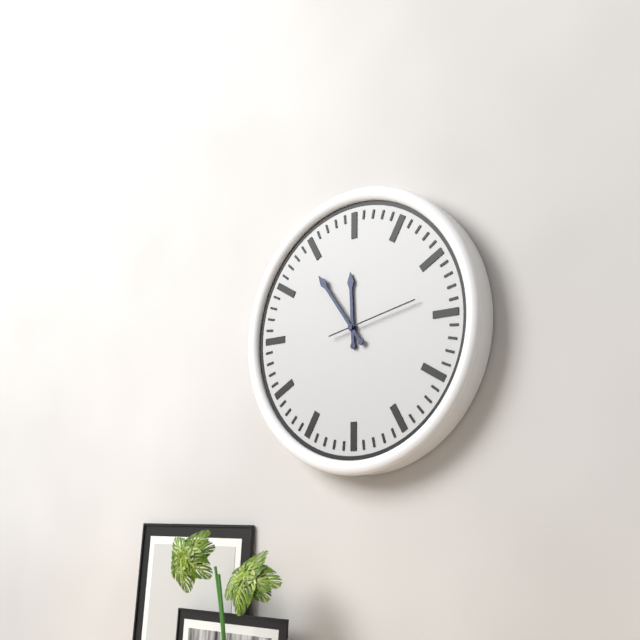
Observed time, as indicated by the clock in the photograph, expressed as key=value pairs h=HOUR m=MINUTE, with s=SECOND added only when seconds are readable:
h=11 m=54 s=13
